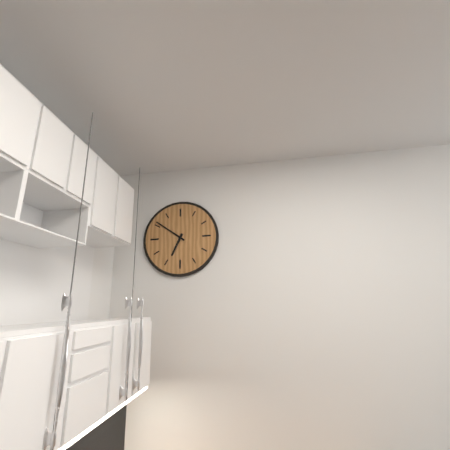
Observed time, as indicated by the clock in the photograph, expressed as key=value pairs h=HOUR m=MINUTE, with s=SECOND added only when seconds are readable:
h=6 m=51
